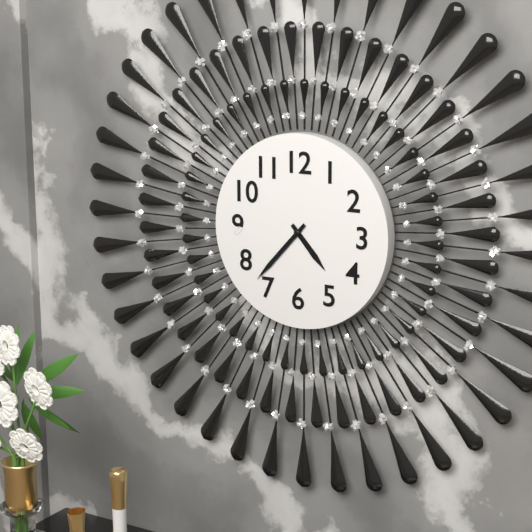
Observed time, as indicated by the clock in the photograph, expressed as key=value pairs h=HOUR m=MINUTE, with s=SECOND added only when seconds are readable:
h=4 m=37
